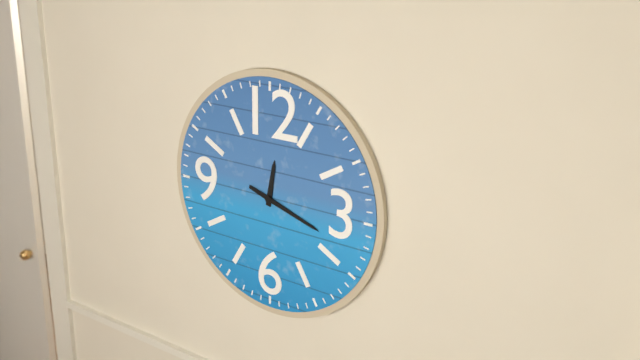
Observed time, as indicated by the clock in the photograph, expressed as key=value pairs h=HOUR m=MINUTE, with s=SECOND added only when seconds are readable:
h=12 m=18
